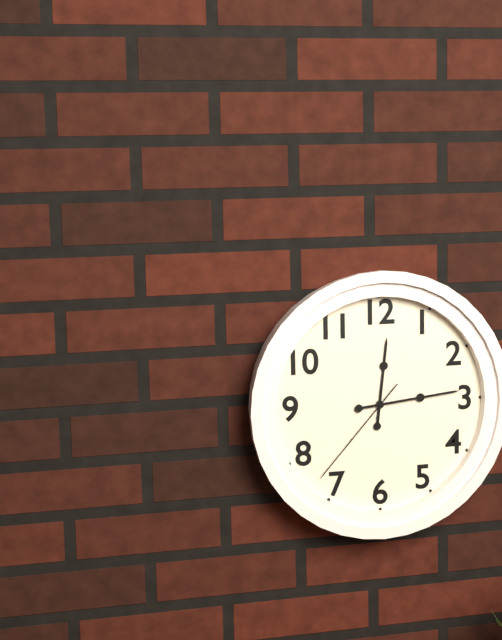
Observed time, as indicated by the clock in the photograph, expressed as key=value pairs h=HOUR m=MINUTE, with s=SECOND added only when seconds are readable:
h=12 m=14 s=37
